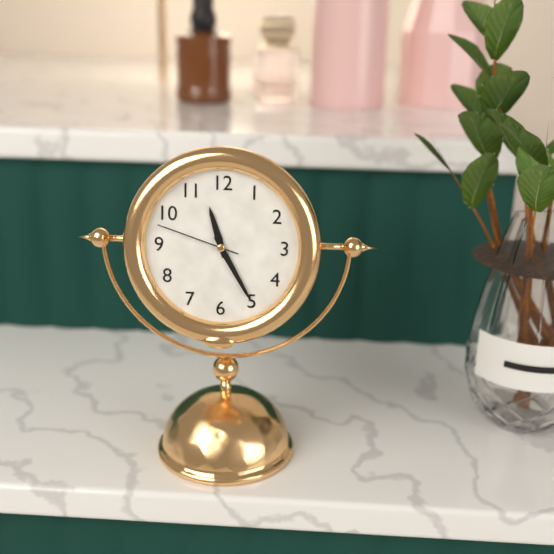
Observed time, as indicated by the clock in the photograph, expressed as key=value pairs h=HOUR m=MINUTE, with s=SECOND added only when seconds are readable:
h=11 m=25 s=48
